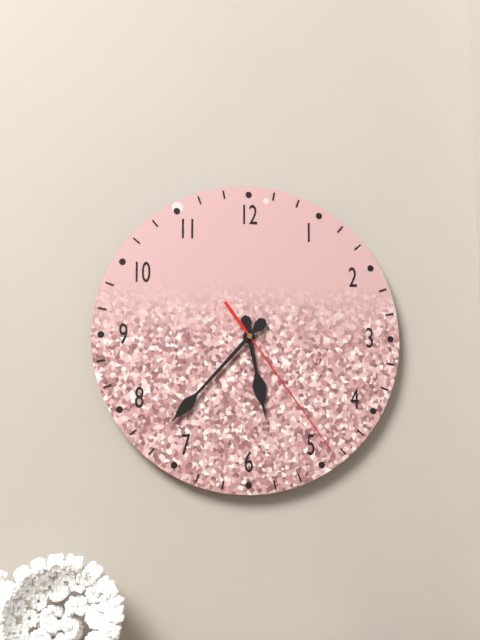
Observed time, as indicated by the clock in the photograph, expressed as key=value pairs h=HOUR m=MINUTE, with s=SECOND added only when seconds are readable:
h=5 m=37 s=24
